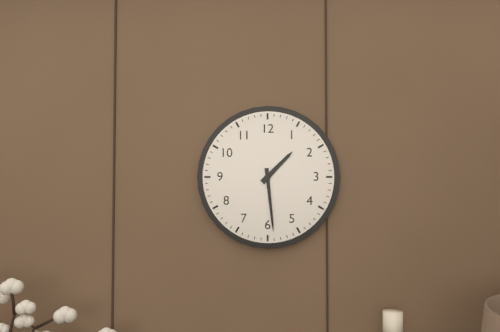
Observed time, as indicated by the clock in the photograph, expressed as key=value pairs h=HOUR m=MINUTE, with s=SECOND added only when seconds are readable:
h=1 m=29
